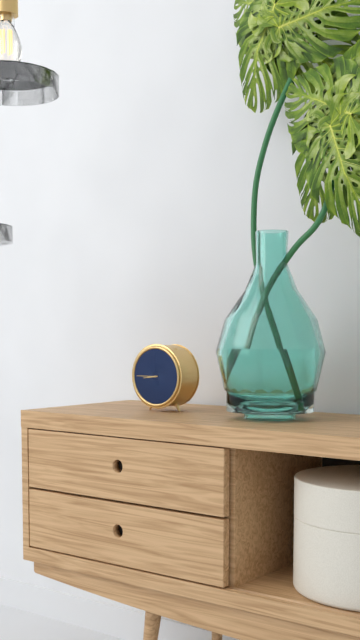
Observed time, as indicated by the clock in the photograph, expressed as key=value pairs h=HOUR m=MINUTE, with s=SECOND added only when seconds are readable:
h=8 m=45
